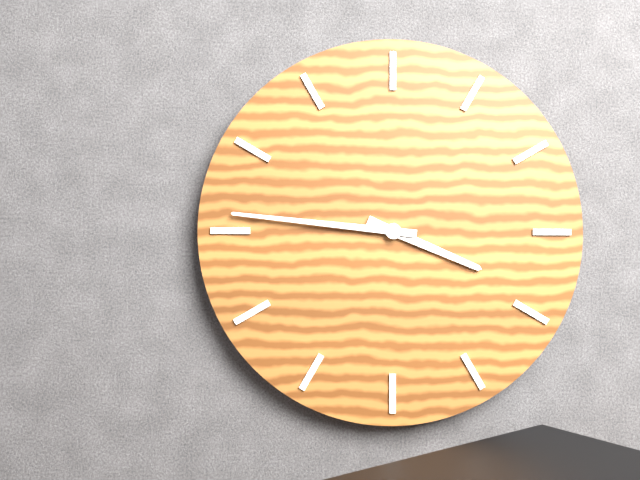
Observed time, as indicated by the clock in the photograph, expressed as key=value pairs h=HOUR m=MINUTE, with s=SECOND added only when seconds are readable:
h=3 m=46
